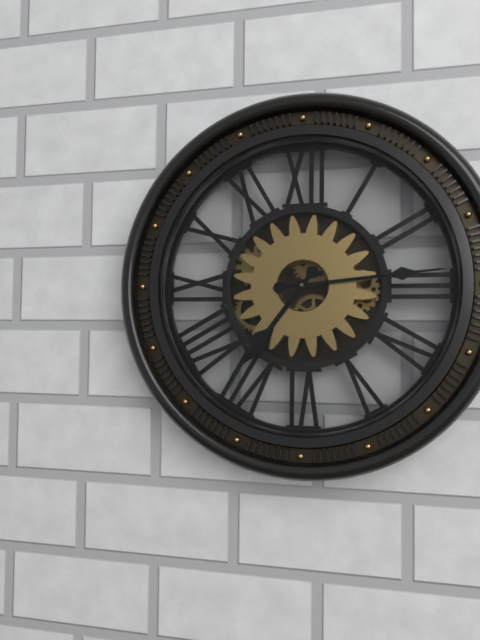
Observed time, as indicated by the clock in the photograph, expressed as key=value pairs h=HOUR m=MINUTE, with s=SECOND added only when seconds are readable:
h=7 m=14
